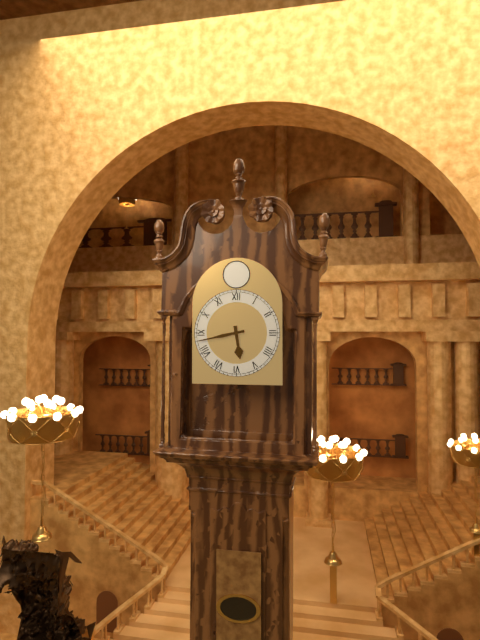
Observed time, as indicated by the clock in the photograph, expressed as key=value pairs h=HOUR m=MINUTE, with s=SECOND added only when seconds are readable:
h=5 m=43
